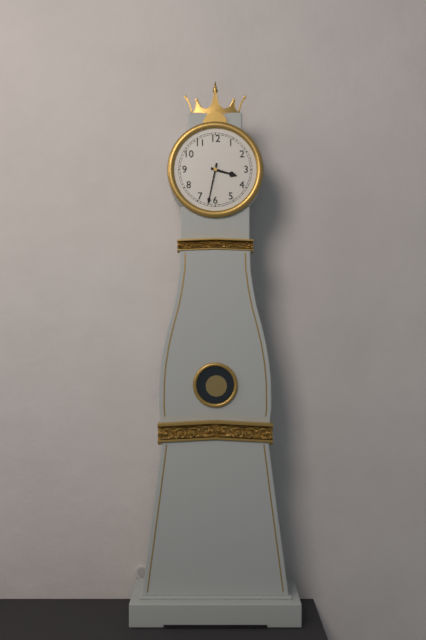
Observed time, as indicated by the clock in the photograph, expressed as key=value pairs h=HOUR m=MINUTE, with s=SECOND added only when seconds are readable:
h=3 m=32
